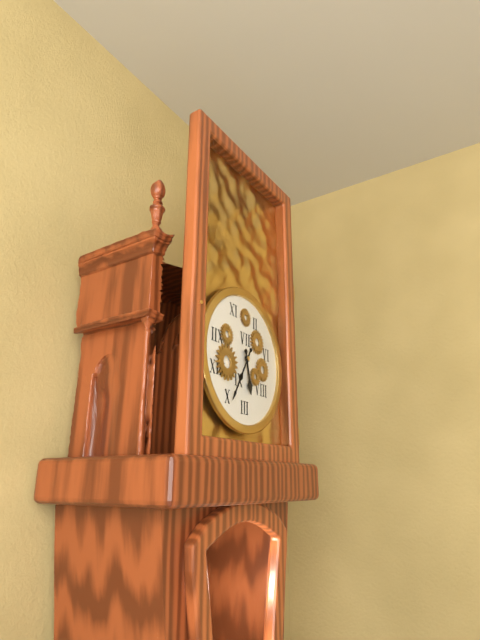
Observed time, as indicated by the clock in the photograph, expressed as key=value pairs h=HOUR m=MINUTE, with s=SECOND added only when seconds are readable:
h=5 m=35
